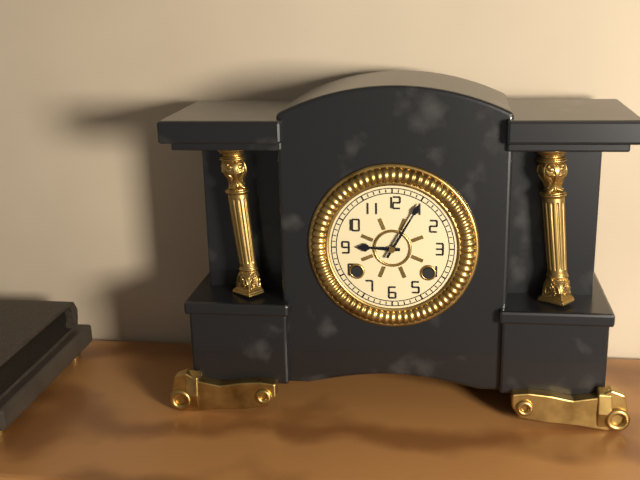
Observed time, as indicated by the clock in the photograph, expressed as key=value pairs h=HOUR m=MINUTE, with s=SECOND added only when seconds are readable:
h=9 m=5
